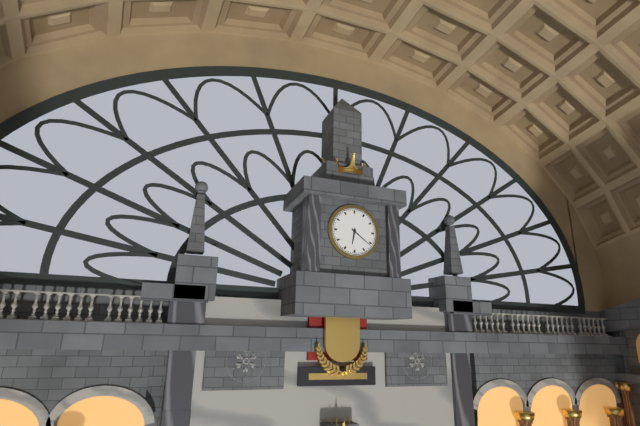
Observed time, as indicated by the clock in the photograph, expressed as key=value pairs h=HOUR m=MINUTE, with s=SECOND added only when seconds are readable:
h=6 m=21
